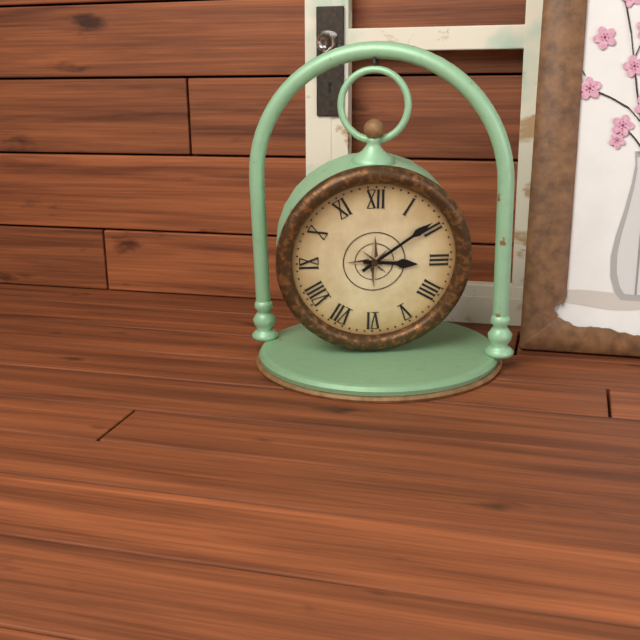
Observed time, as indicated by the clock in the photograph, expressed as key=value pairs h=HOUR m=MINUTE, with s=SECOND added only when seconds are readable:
h=3 m=9
